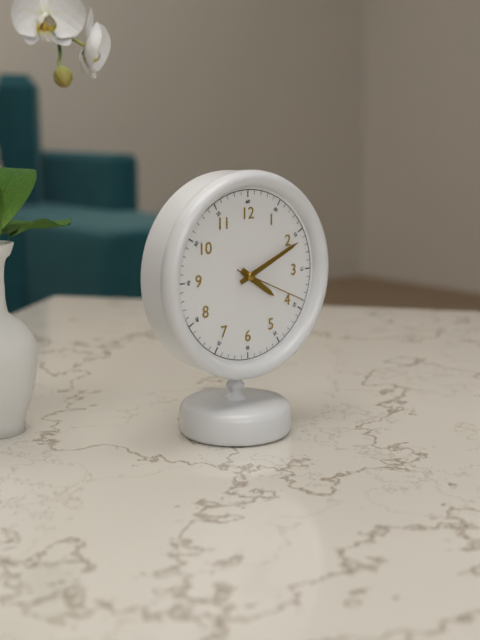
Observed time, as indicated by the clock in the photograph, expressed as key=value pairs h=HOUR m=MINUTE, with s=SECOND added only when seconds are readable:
h=4 m=11 s=19
